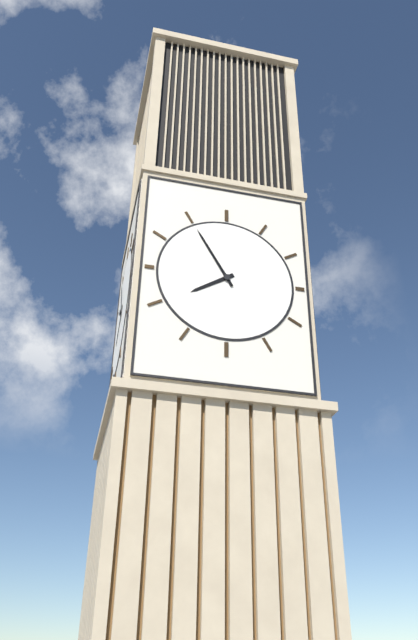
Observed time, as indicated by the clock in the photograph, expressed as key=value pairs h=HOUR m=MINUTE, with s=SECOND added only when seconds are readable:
h=7 m=55
